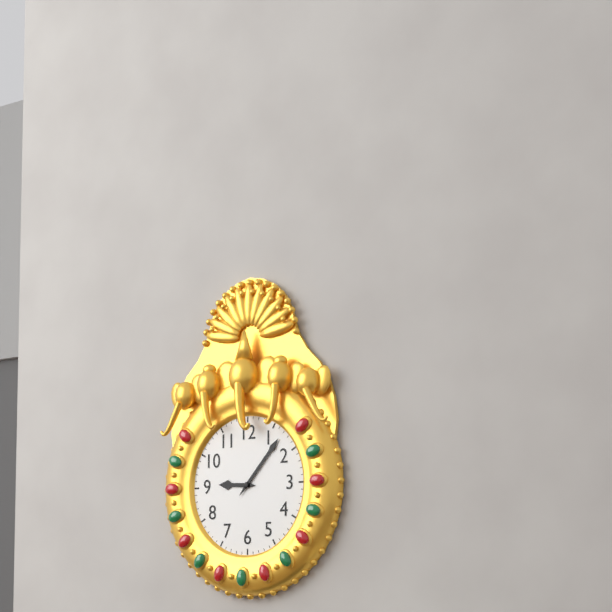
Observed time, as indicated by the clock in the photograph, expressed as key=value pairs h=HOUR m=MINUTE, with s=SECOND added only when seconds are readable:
h=9 m=7
